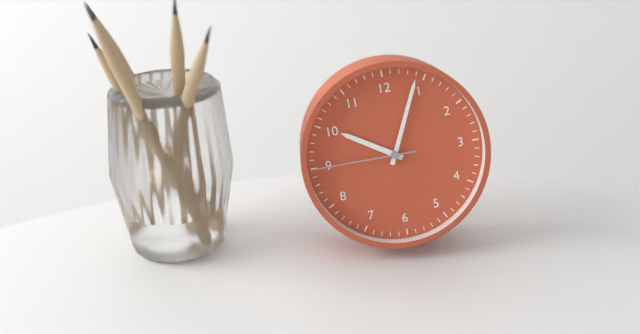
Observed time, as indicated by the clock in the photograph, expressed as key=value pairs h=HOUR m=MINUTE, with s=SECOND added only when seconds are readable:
h=10 m=4 s=45
